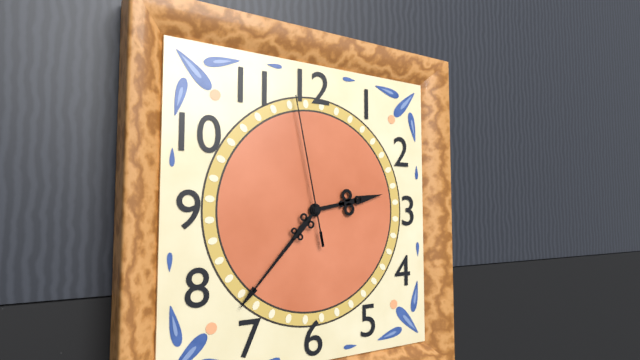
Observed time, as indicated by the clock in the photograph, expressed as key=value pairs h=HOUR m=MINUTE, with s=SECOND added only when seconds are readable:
h=2 m=37 s=58
